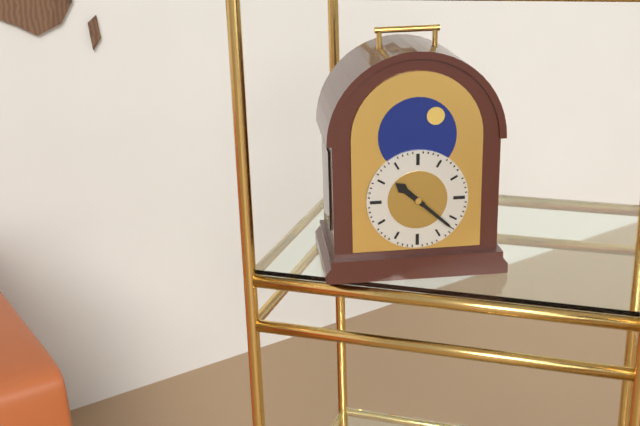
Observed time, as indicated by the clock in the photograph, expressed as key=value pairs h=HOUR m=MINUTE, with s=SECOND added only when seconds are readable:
h=10 m=22
